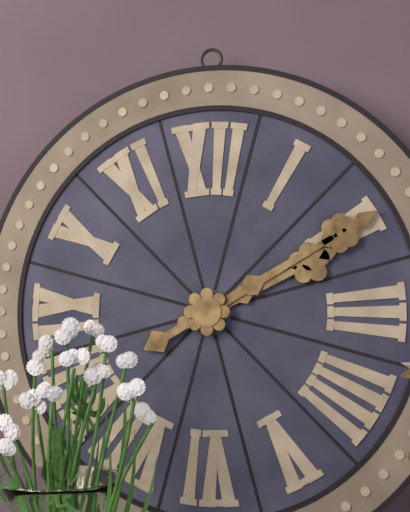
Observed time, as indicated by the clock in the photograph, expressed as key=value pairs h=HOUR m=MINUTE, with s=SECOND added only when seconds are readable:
h=2 m=10
